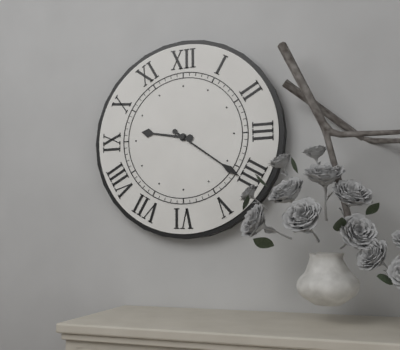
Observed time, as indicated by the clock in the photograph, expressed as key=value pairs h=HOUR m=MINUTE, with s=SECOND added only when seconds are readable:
h=9 m=21
